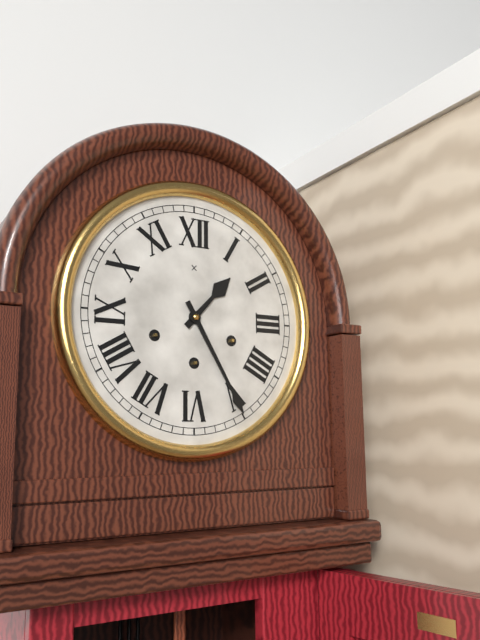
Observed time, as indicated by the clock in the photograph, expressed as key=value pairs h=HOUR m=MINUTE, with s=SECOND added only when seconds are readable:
h=1 m=25
